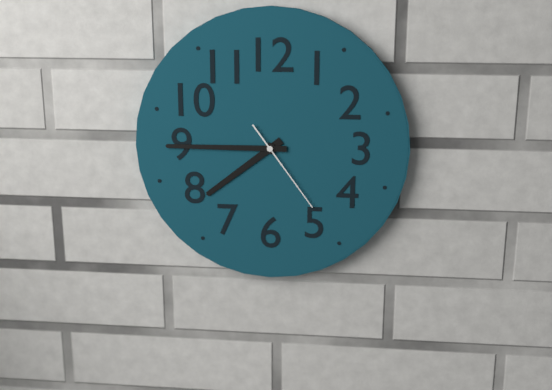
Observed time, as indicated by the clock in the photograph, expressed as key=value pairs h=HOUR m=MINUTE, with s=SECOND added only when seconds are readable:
h=7 m=45 s=24
